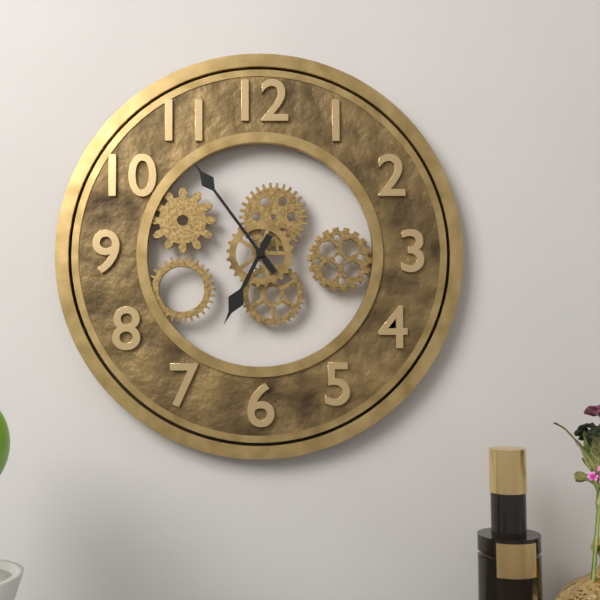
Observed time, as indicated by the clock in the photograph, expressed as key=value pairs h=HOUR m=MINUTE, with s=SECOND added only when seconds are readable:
h=6 m=54
